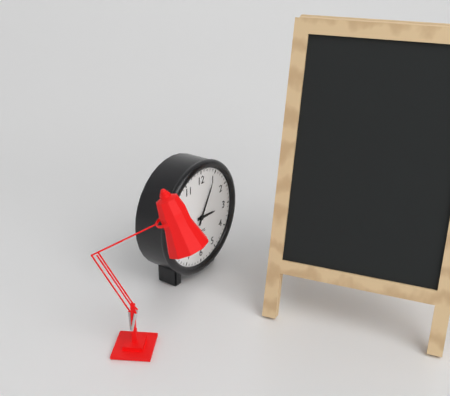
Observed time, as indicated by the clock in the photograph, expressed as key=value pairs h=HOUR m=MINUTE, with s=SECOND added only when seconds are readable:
h=3 m=5
